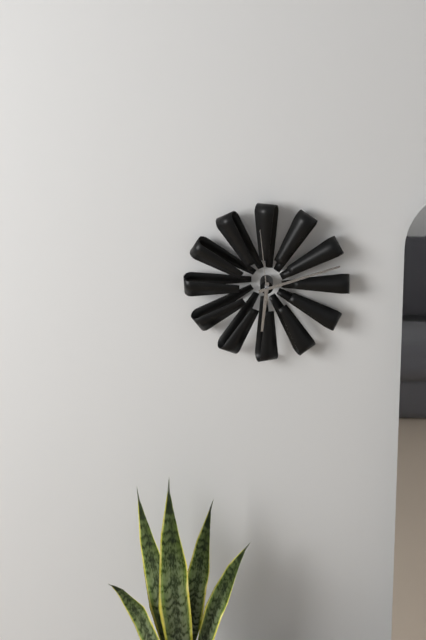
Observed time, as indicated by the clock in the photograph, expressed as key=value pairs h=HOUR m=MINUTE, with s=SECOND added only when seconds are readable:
h=6 m=12 s=59
